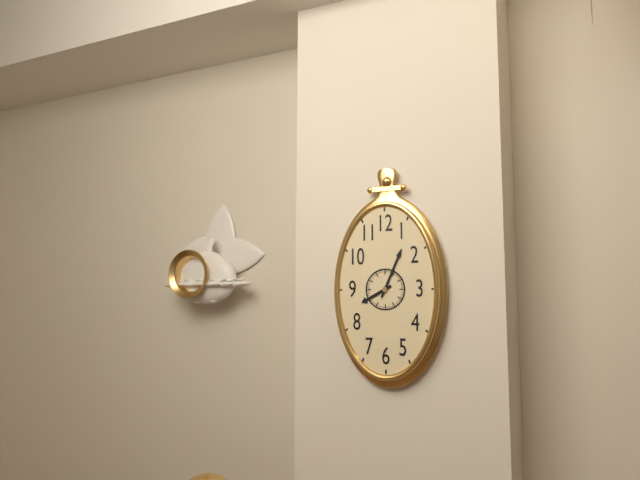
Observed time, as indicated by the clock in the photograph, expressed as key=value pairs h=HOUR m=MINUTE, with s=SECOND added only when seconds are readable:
h=8 m=4
